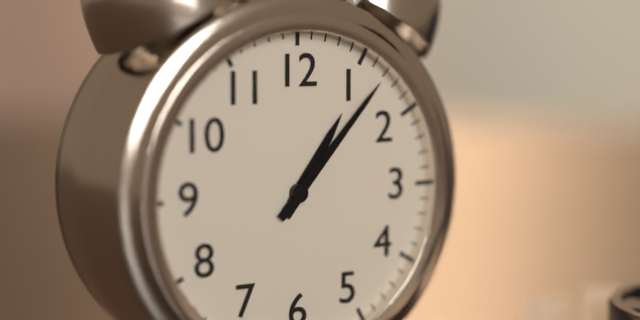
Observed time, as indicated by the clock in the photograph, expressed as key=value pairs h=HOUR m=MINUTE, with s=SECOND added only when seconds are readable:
h=1 m=7
